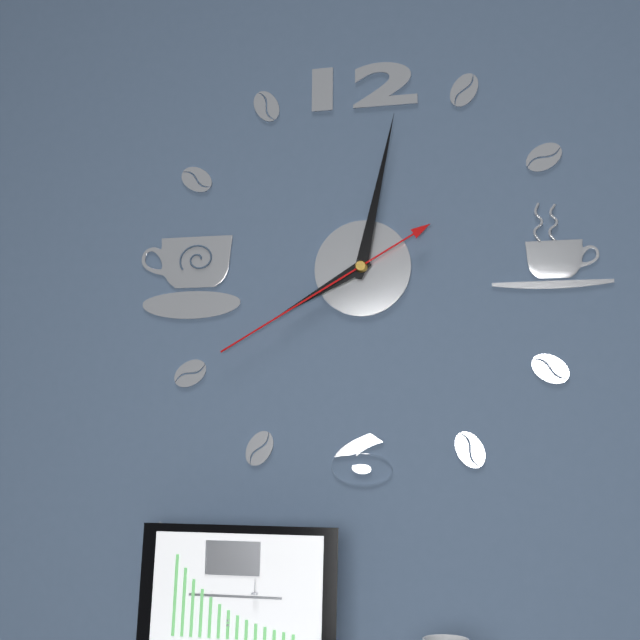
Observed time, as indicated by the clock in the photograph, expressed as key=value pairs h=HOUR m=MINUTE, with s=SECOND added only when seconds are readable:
h=8 m=2 s=40
